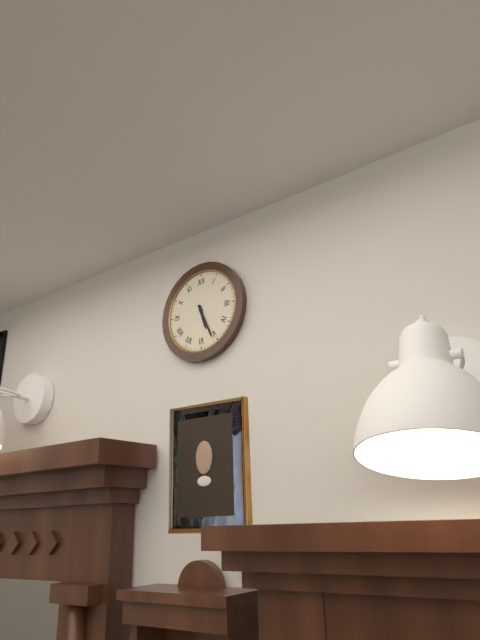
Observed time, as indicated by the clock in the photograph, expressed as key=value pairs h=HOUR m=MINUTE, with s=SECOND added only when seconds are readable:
h=5 m=26
